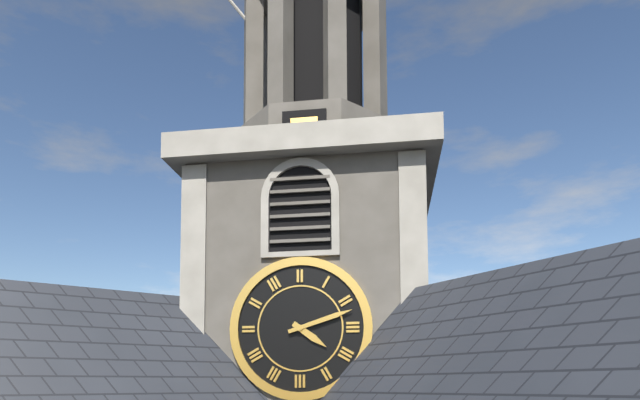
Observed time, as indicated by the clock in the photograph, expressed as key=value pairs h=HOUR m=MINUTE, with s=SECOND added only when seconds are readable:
h=4 m=12
